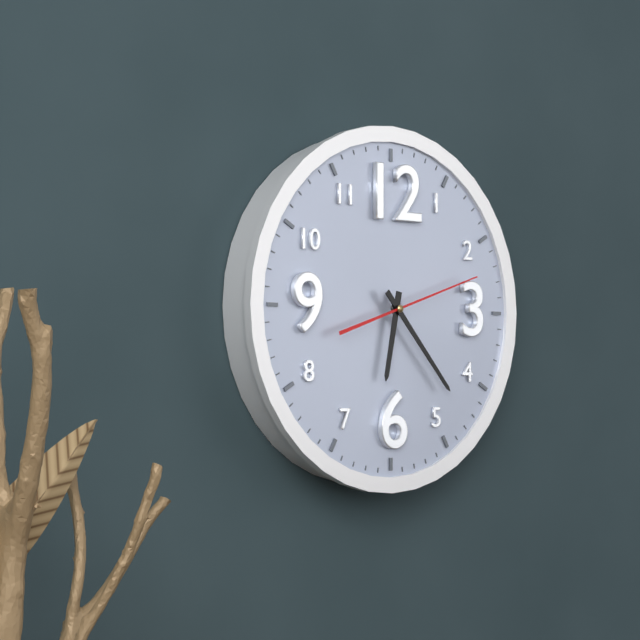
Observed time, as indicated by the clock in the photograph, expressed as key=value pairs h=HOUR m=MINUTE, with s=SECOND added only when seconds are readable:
h=6 m=23 s=12
